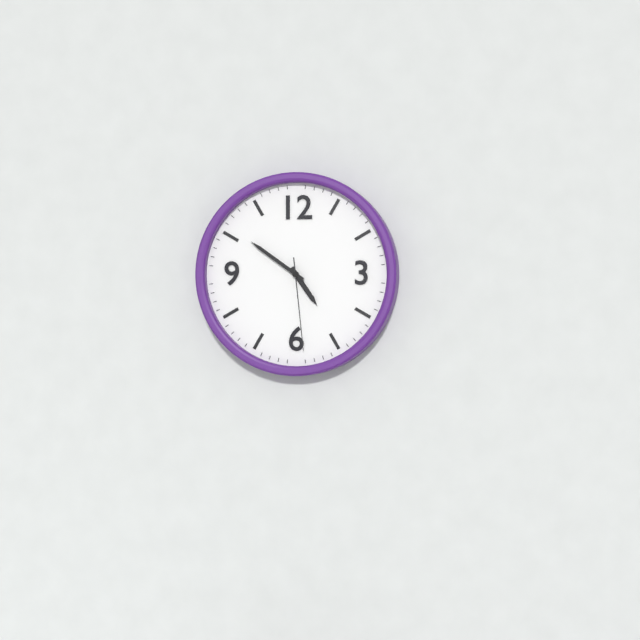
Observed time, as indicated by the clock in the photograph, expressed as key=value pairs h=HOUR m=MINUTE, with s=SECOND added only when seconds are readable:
h=4 m=51 s=29
